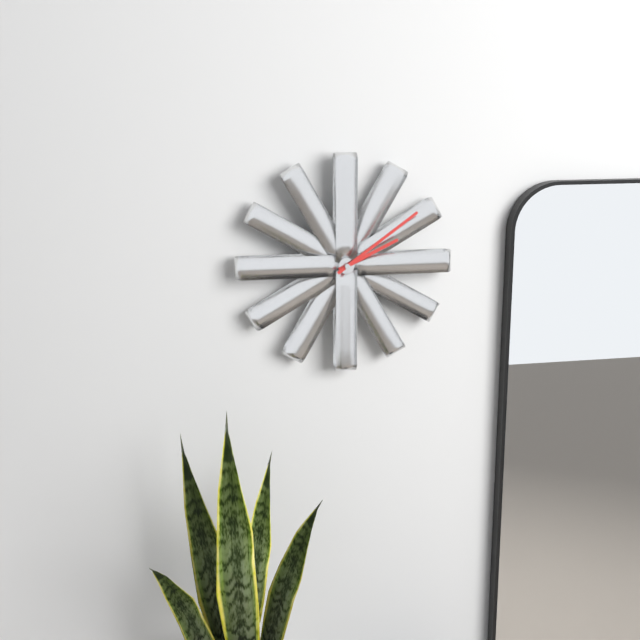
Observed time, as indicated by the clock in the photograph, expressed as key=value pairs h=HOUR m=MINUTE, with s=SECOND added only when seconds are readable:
h=2 m=9
